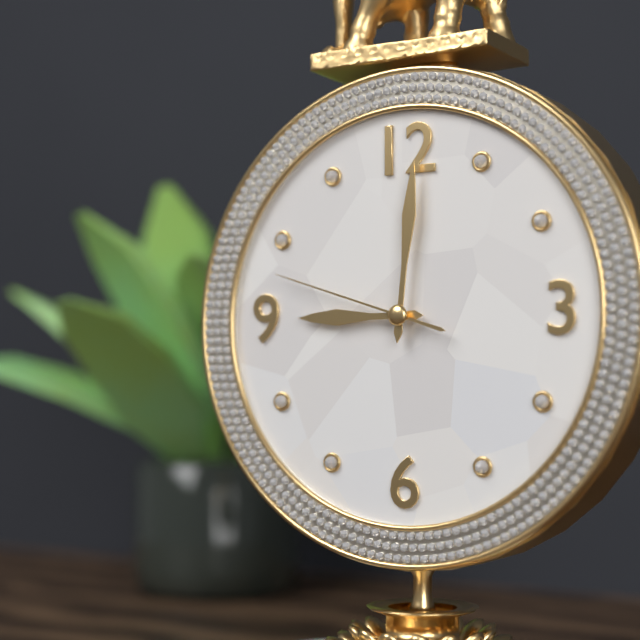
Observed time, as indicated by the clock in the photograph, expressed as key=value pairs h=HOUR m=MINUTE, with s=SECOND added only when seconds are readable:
h=9 m=1 s=48
